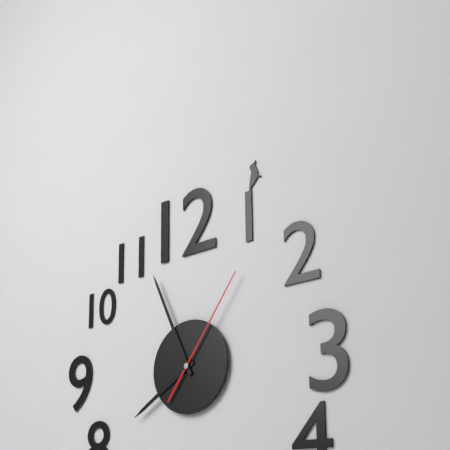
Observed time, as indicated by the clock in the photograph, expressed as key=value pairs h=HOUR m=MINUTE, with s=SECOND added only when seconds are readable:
h=7 m=56 s=6
